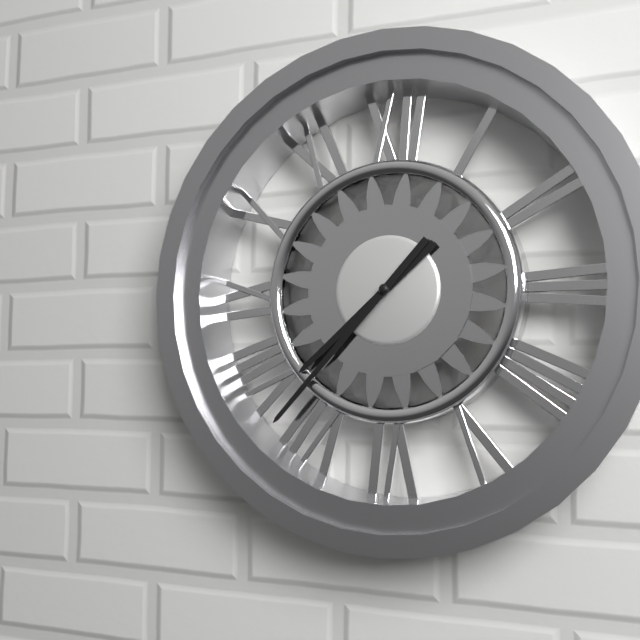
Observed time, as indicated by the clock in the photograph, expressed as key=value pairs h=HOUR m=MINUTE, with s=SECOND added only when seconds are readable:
h=7 m=37
